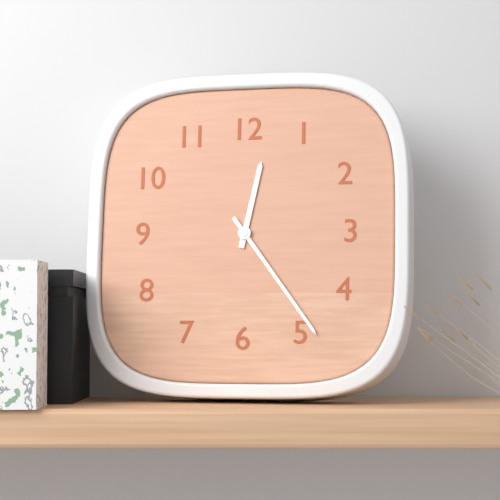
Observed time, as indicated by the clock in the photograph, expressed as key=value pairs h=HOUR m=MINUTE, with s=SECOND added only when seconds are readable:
h=12 m=24
